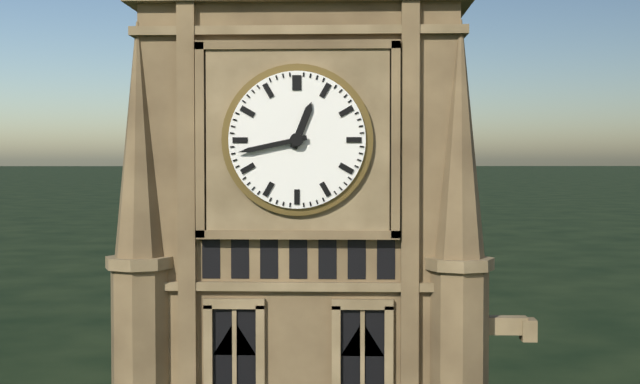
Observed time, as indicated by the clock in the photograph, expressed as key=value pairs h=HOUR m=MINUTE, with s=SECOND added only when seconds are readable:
h=12 m=43
